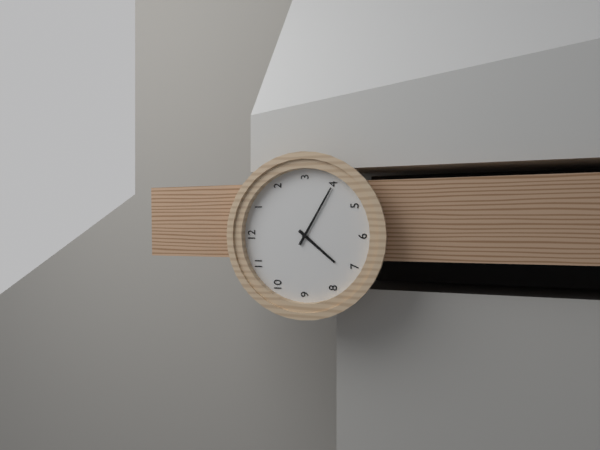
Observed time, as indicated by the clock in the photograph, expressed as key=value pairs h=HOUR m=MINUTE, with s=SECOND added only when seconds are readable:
h=7 m=20
